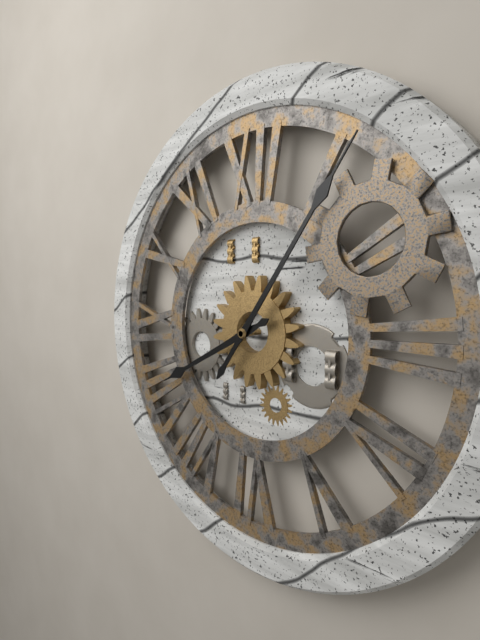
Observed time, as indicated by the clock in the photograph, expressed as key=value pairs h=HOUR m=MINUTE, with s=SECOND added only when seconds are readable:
h=8 m=6
